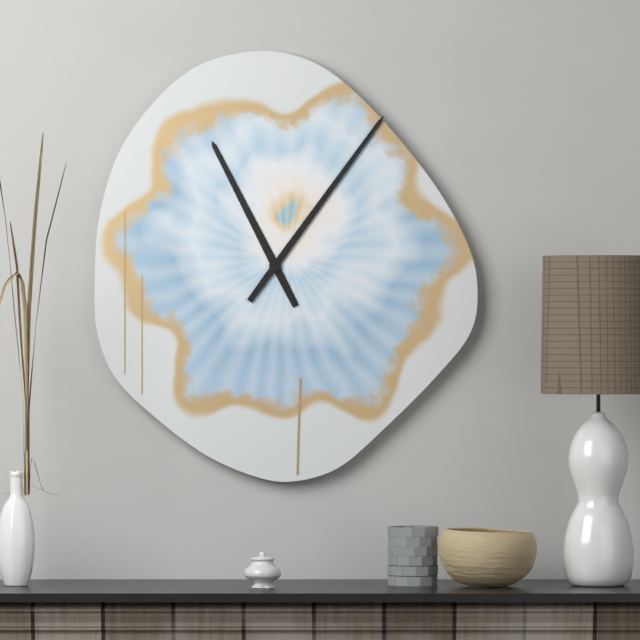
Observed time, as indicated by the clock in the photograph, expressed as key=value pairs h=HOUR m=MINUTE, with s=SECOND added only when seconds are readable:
h=11 m=6
